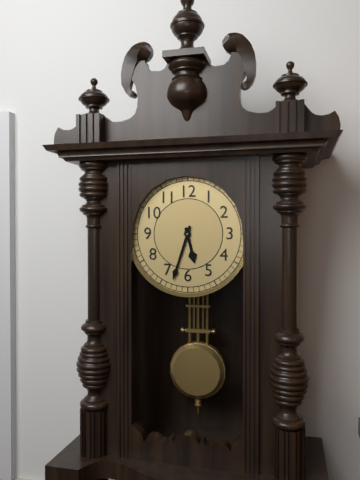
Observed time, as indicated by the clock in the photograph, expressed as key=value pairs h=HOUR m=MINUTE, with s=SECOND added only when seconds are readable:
h=5 m=33
